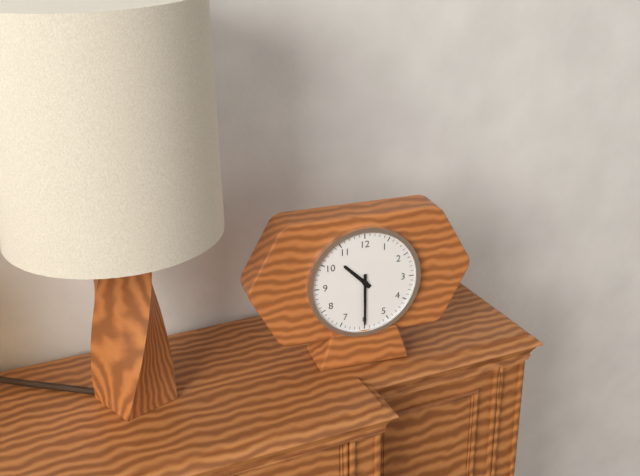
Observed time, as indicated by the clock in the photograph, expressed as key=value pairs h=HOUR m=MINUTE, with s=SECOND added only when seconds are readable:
h=10 m=30
